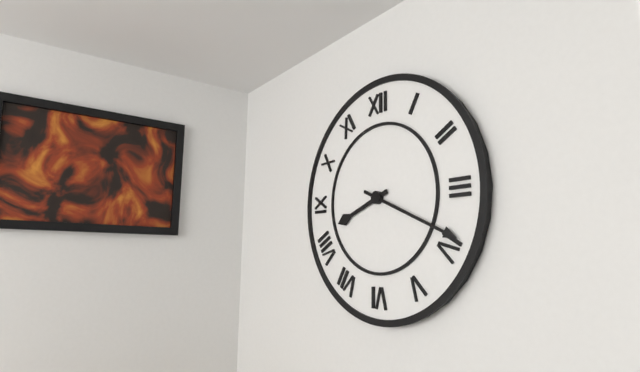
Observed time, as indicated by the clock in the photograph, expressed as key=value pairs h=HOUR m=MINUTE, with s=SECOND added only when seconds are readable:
h=8 m=19
